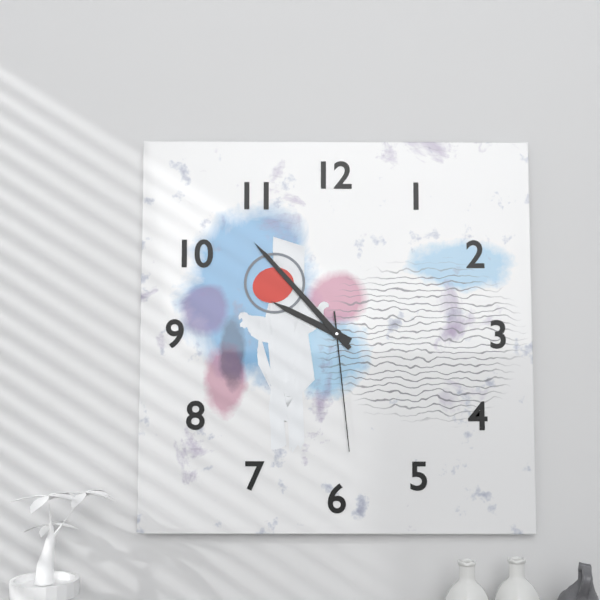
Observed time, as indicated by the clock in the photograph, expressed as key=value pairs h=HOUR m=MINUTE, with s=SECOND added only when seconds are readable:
h=9 m=53 s=29
